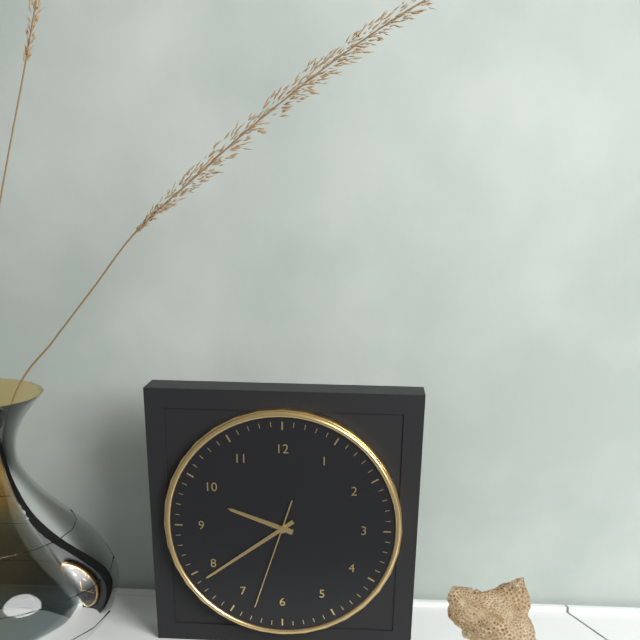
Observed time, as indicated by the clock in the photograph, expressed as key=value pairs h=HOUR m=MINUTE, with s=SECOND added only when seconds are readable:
h=9 m=39 s=33
